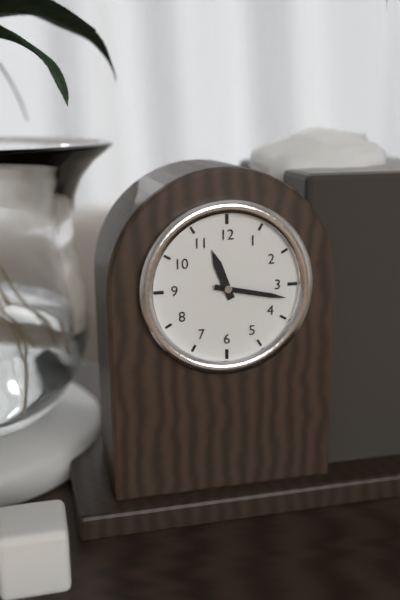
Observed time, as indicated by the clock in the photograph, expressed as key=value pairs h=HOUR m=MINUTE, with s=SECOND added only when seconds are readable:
h=11 m=17
